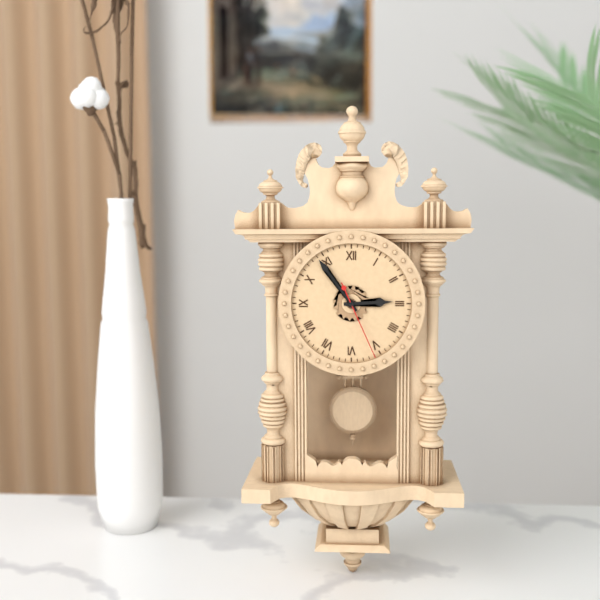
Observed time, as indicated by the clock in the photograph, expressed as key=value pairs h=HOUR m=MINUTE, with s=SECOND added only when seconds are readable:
h=2 m=54 s=26
